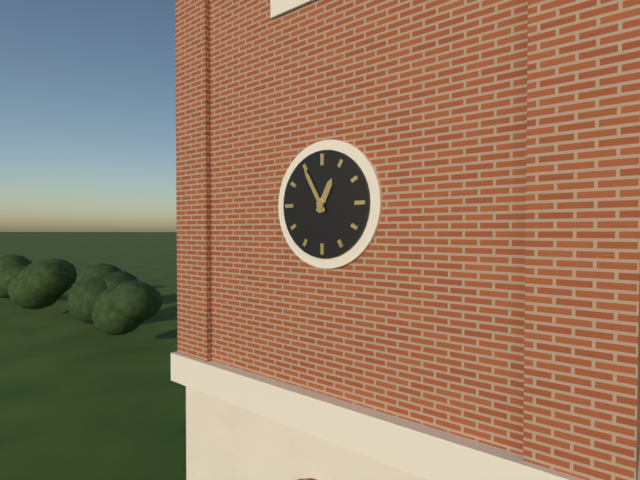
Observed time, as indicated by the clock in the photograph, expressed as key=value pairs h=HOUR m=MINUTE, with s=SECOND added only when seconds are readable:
h=12 m=55
